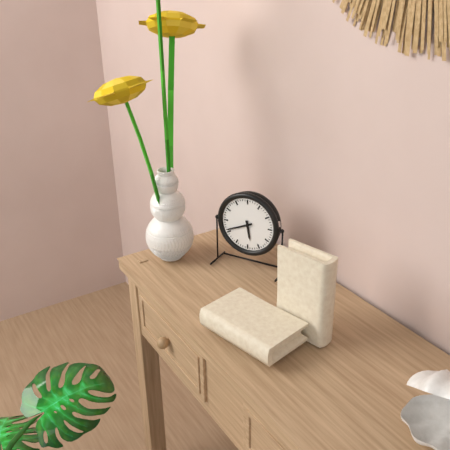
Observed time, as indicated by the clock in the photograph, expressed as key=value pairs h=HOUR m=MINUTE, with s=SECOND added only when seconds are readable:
h=5 m=41
